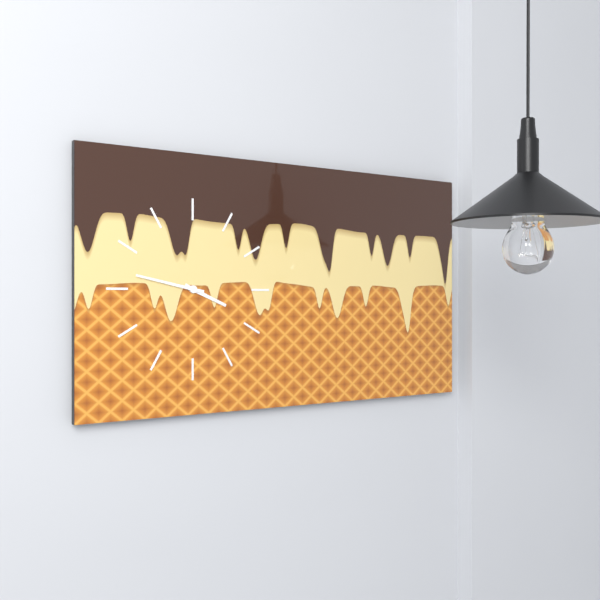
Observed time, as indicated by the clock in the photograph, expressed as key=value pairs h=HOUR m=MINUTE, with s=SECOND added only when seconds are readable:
h=3 m=47
